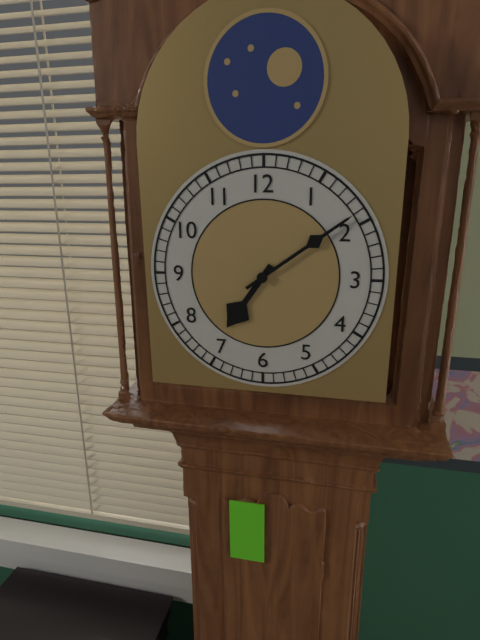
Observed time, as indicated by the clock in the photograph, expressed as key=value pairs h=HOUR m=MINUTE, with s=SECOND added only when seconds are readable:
h=7 m=9
